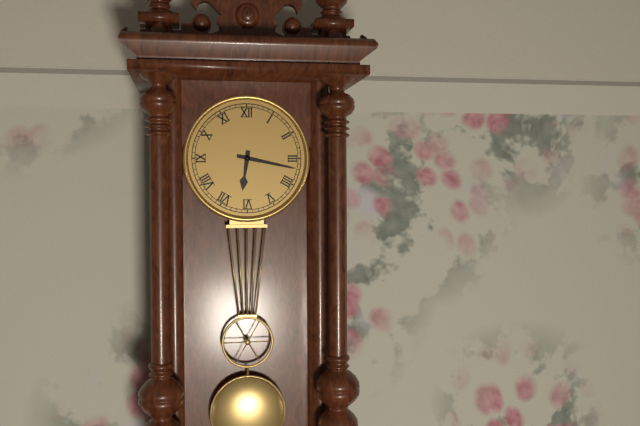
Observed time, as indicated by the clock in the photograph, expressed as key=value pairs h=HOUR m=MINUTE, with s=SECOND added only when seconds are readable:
h=6 m=17
